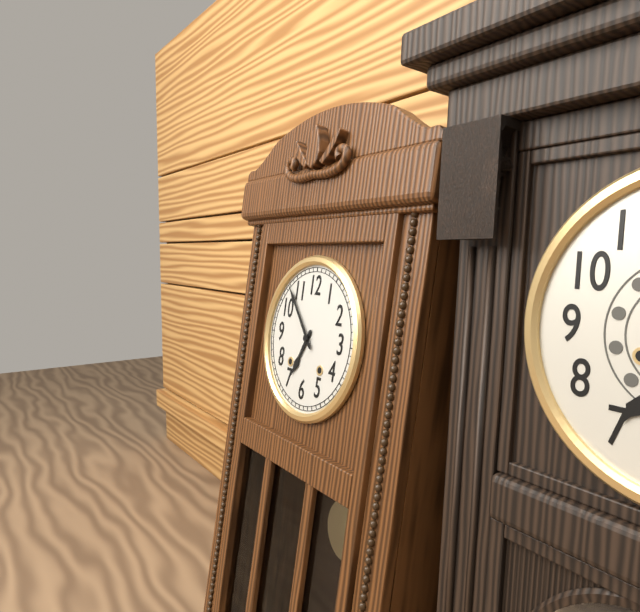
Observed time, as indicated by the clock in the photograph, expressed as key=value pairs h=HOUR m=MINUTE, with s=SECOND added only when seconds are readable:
h=6 m=53
